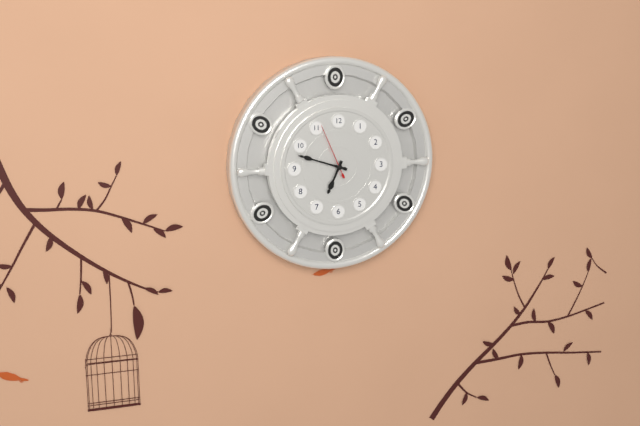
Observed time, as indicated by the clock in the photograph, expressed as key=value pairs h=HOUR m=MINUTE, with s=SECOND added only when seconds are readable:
h=6 m=48 s=56
